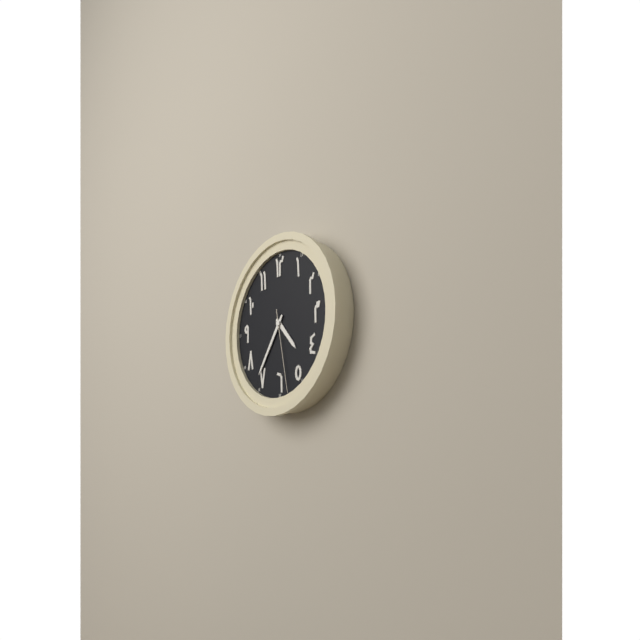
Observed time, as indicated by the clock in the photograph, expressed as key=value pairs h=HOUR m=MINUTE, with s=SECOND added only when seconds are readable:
h=4 m=36 s=28
